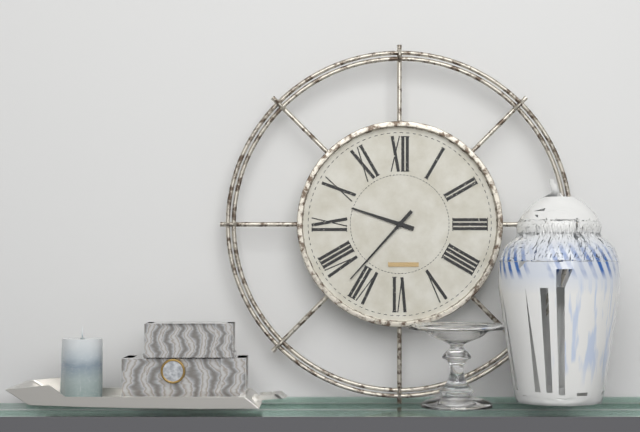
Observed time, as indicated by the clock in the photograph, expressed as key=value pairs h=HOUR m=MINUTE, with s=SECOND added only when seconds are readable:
h=9 m=37
